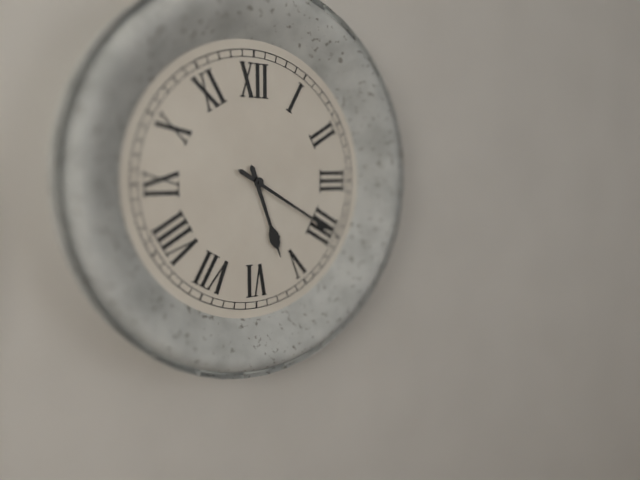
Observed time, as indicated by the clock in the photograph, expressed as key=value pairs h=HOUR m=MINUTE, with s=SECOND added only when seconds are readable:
h=5 m=20
